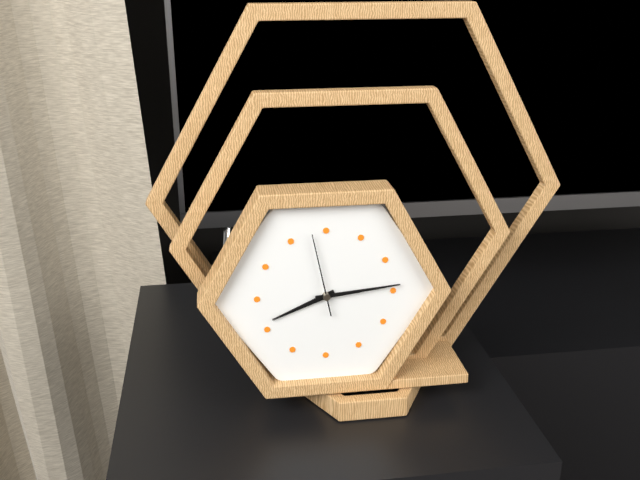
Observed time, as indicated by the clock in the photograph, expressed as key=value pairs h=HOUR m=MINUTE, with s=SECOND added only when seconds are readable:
h=8 m=14 s=58
